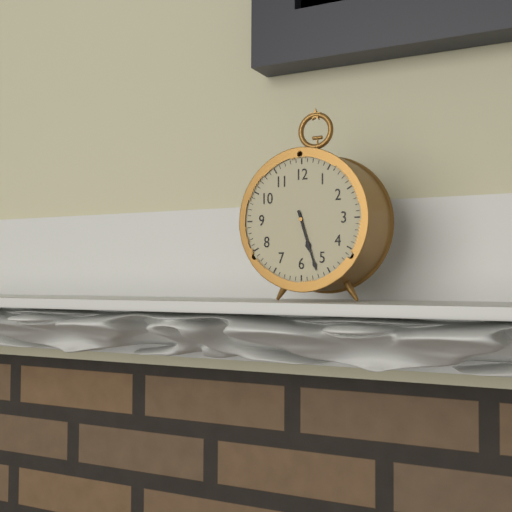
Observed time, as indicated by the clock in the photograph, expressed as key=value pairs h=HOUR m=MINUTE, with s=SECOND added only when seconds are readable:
h=5 m=27
